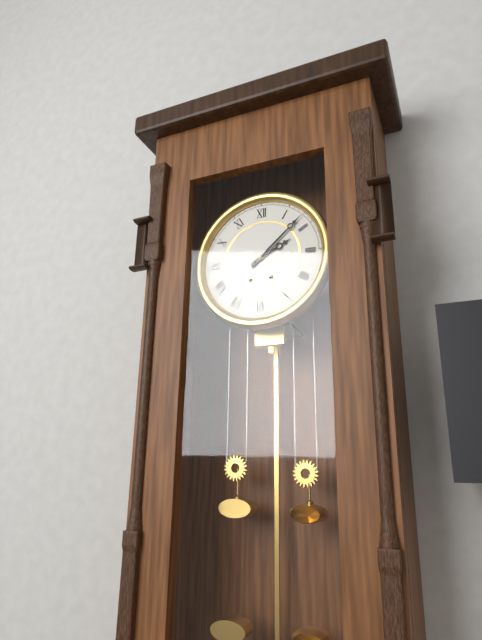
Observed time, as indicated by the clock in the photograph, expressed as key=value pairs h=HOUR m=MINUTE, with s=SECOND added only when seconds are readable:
h=2 m=8
